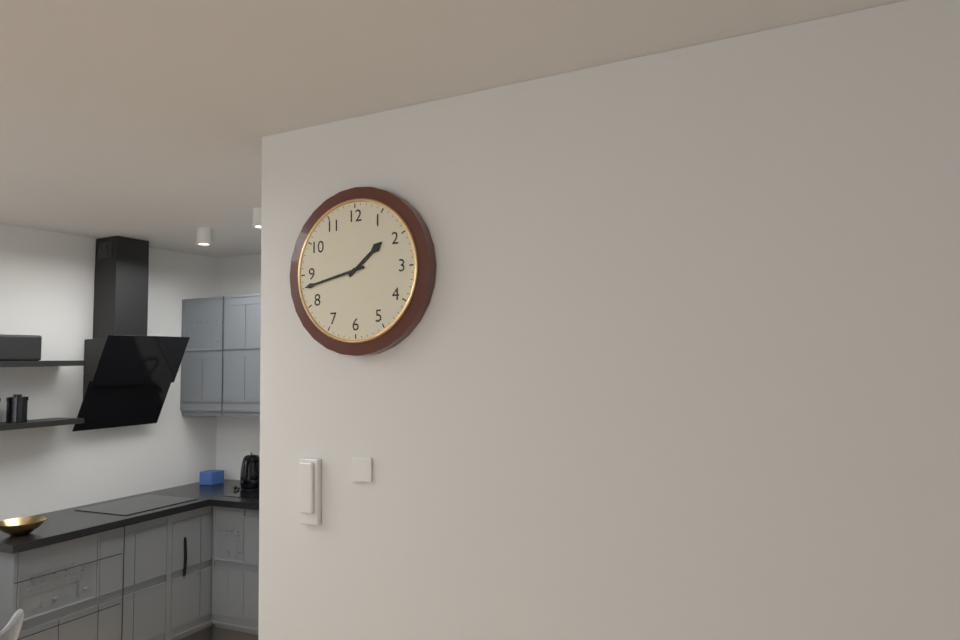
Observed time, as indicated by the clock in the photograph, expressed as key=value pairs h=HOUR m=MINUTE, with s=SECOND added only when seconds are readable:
h=1 m=43
